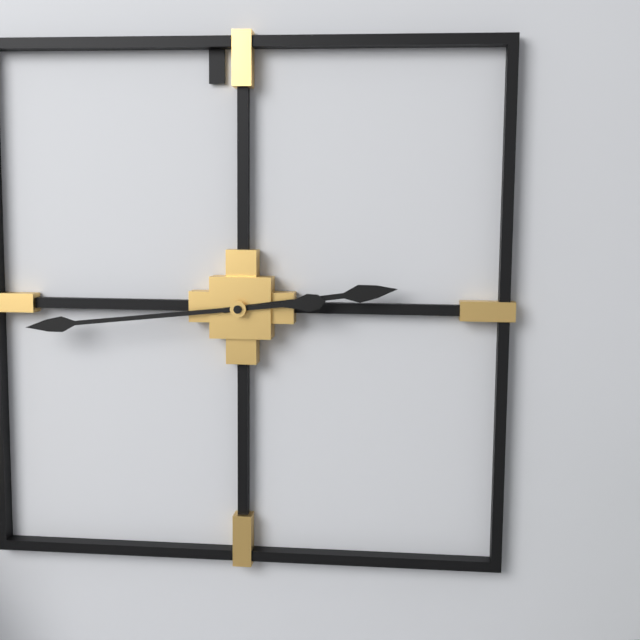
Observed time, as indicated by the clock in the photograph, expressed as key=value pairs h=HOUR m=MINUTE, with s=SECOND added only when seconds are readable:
h=2 m=44
